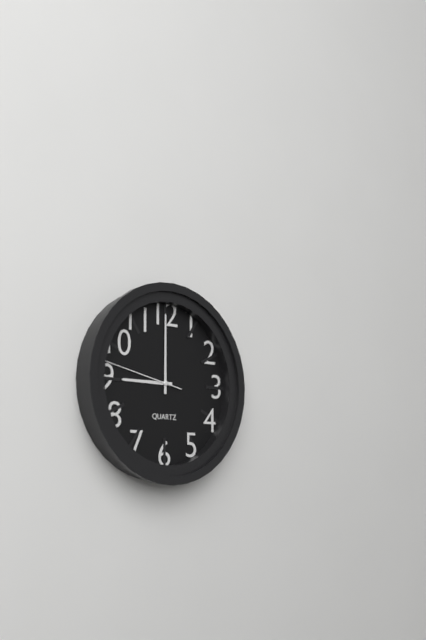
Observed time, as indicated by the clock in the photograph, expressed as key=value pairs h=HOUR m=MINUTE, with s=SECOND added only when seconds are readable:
h=9 m=0 s=47
